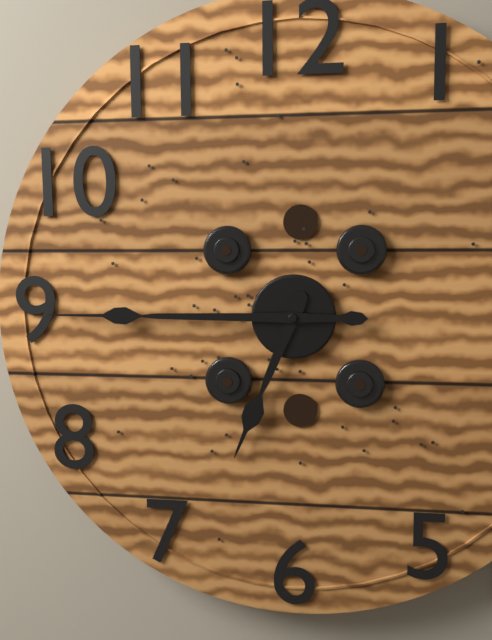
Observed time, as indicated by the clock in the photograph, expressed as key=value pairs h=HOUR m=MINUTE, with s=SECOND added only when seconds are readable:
h=6 m=45
